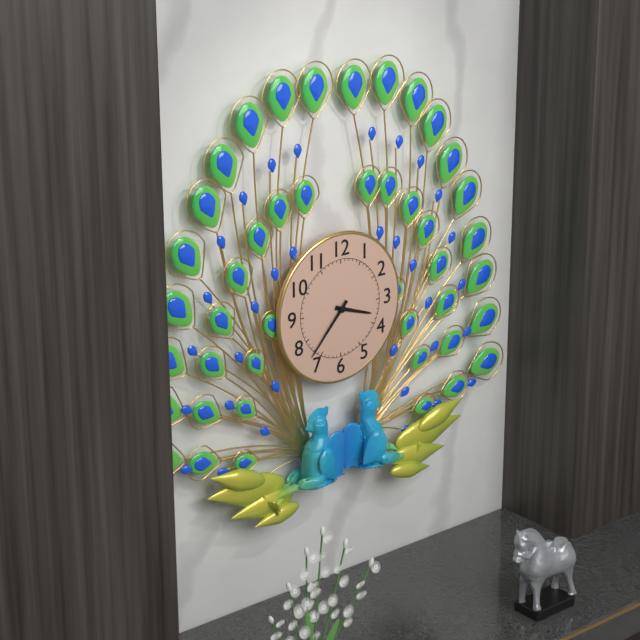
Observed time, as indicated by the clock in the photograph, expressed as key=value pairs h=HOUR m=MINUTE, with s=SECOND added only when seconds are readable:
h=3 m=37
